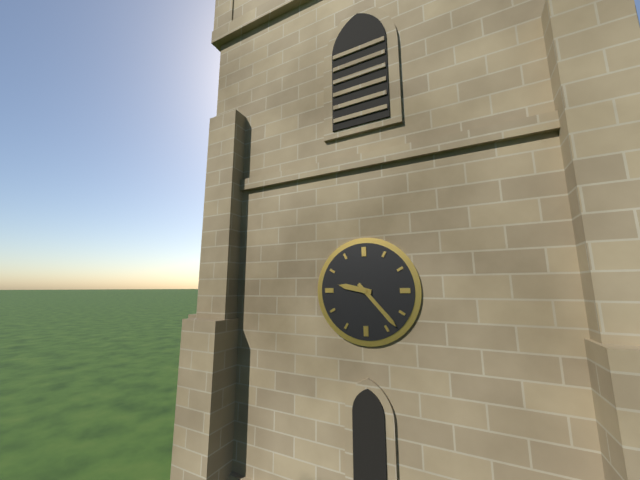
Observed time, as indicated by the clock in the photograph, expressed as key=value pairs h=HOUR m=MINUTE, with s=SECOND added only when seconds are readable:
h=9 m=23
